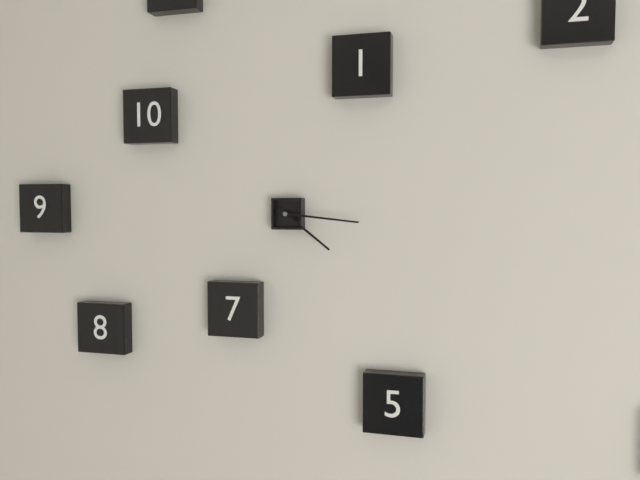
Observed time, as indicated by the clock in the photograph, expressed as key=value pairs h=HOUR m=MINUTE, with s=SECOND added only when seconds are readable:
h=4 m=16
